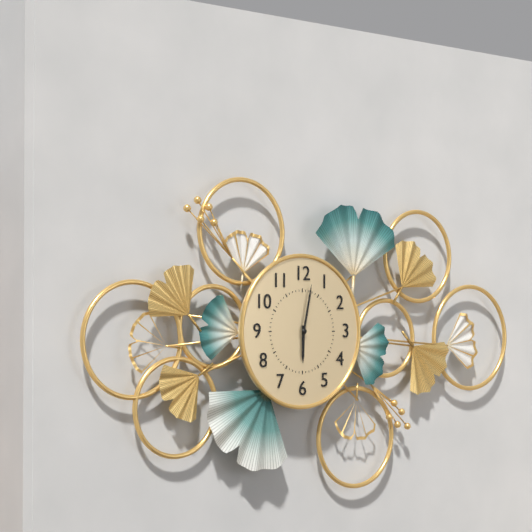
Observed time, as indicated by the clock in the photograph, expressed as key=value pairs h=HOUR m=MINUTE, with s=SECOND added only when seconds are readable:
h=6 m=2
